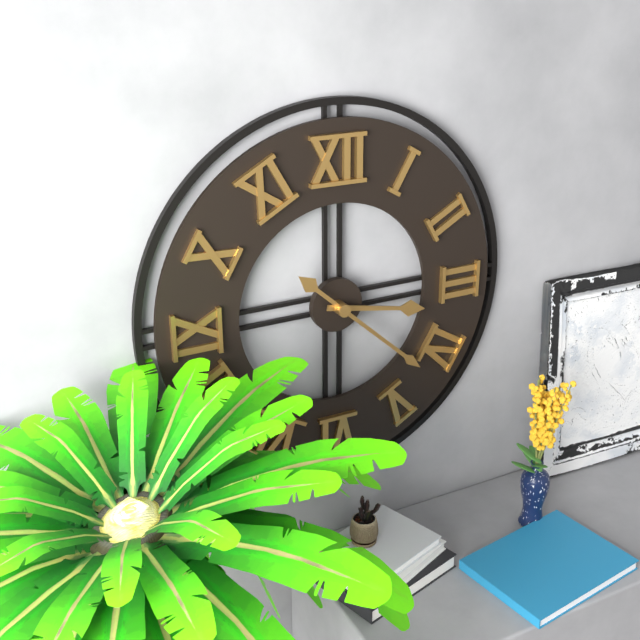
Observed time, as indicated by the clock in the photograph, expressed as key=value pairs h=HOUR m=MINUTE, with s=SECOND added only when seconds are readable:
h=3 m=22
